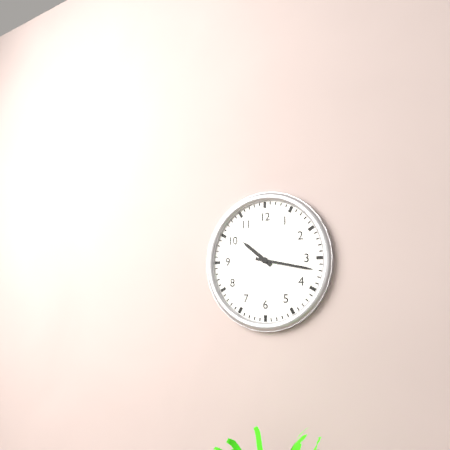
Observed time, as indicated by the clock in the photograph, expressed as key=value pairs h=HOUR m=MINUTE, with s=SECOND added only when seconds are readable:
h=10 m=17
